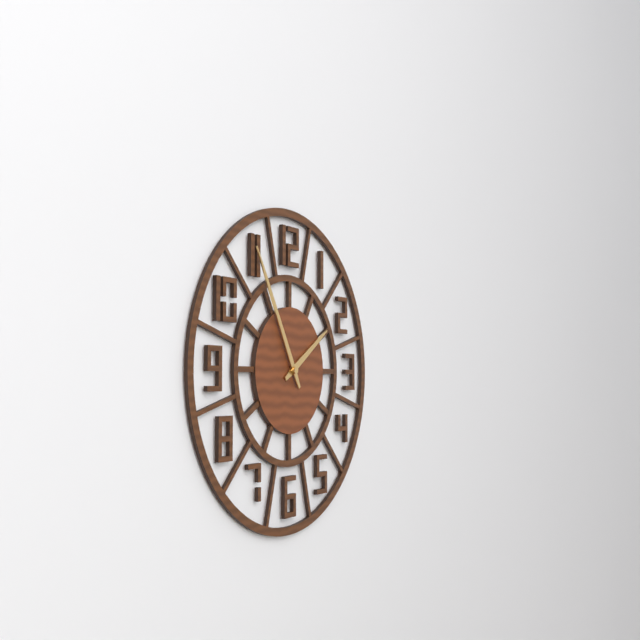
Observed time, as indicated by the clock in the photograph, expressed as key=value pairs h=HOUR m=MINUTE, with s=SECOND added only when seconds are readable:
h=1 m=55
